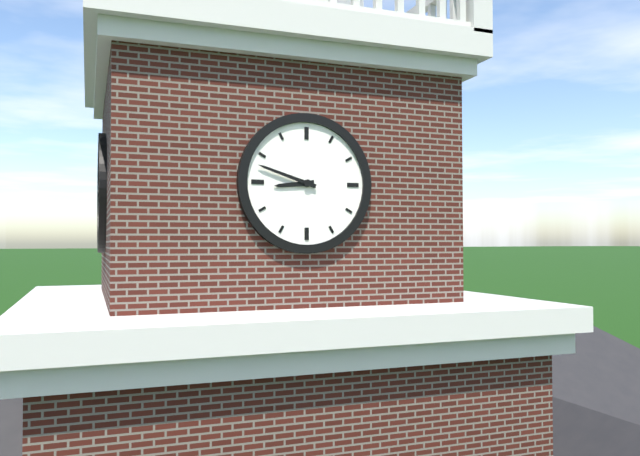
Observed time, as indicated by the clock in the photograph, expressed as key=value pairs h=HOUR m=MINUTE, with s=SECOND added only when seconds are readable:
h=8 m=48
